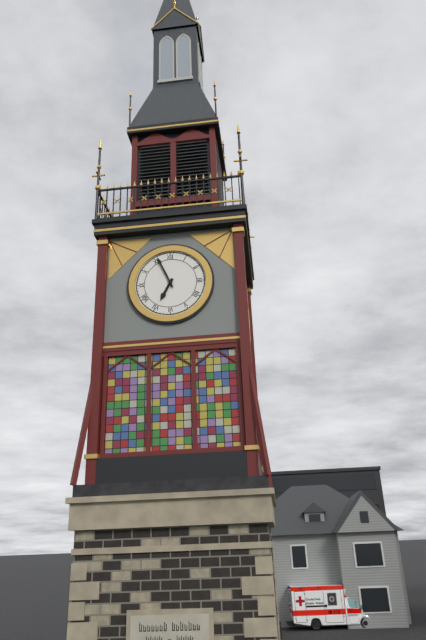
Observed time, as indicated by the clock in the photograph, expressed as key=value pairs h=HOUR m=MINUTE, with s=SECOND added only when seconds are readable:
h=6 m=56
